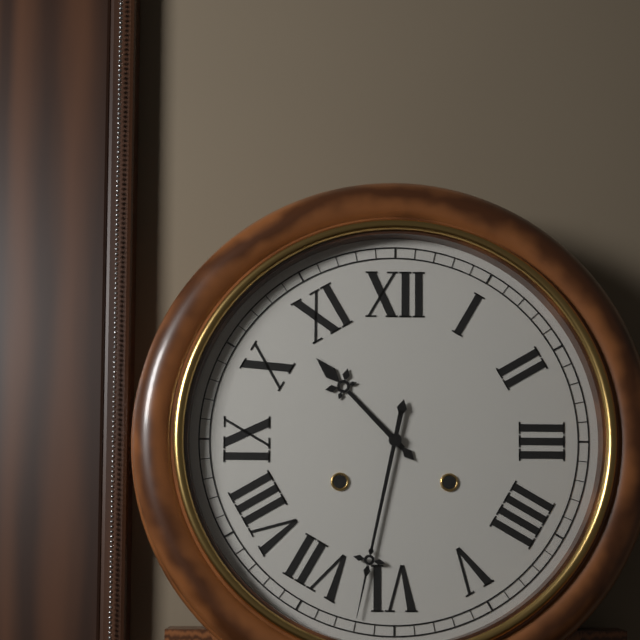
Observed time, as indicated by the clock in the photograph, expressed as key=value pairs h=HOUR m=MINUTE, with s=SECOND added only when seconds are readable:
h=10 m=32
